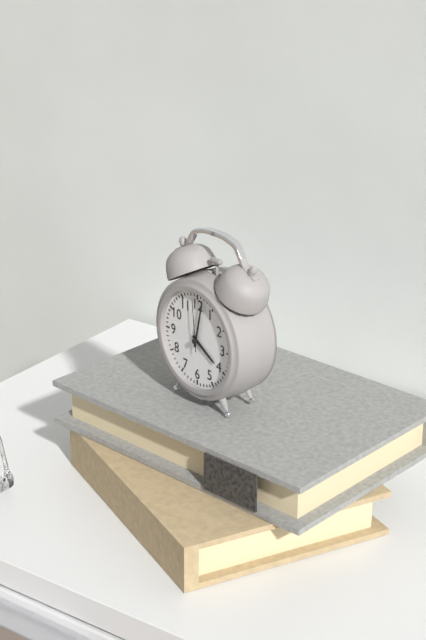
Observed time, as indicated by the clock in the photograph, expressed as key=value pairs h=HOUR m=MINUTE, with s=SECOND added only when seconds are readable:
h=4 m=2 s=59
